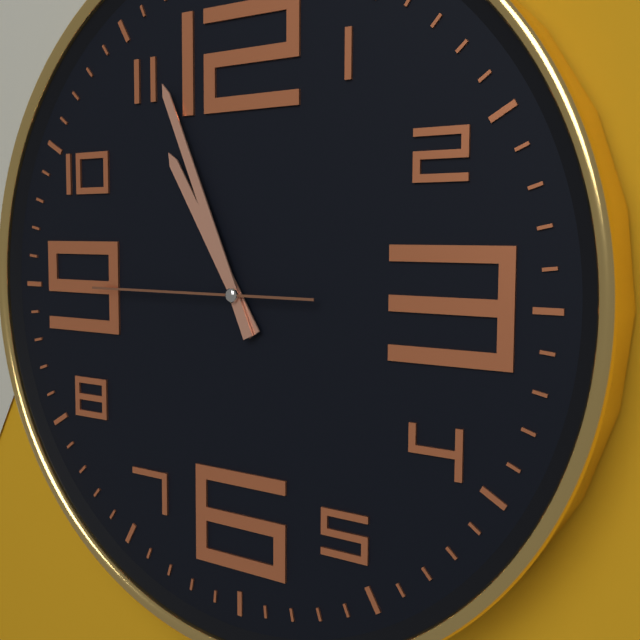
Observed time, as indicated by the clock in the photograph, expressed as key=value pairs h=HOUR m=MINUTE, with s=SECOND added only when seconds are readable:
h=10 m=56 s=45
